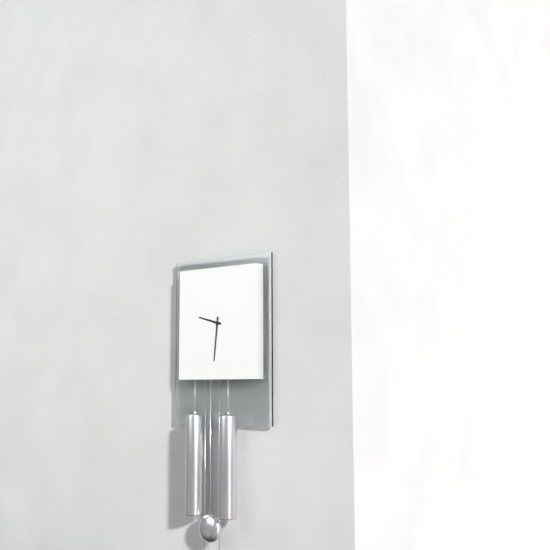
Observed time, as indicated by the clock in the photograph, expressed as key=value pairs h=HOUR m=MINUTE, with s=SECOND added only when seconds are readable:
h=9 m=31
